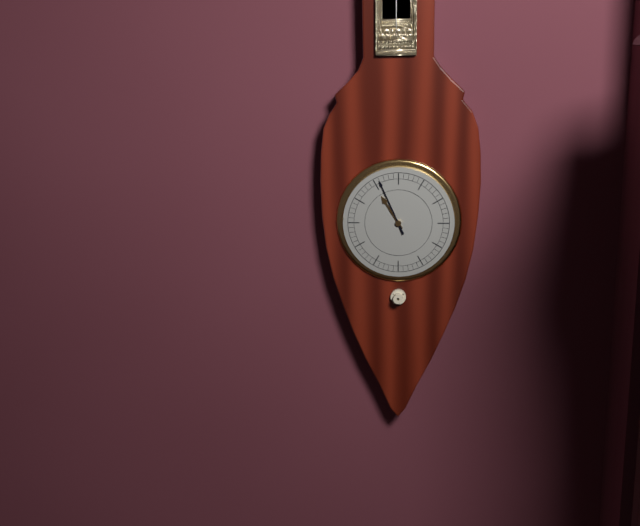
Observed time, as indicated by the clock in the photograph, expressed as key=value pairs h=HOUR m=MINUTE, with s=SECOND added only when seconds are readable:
h=10 m=56
